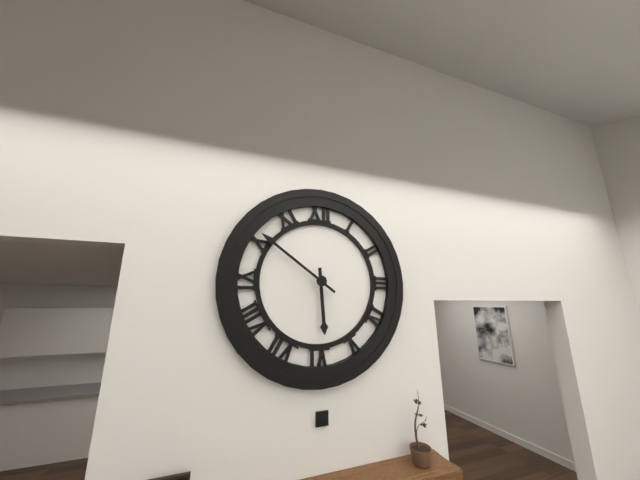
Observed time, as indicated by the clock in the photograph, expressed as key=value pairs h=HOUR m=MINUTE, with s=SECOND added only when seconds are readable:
h=5 m=51
